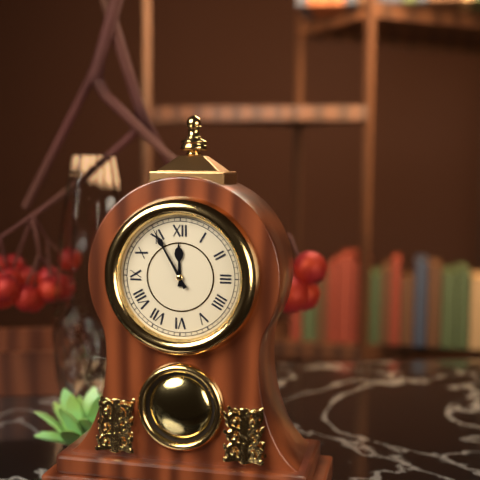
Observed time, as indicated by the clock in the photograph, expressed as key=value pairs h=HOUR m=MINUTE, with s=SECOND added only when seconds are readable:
h=11 m=55
